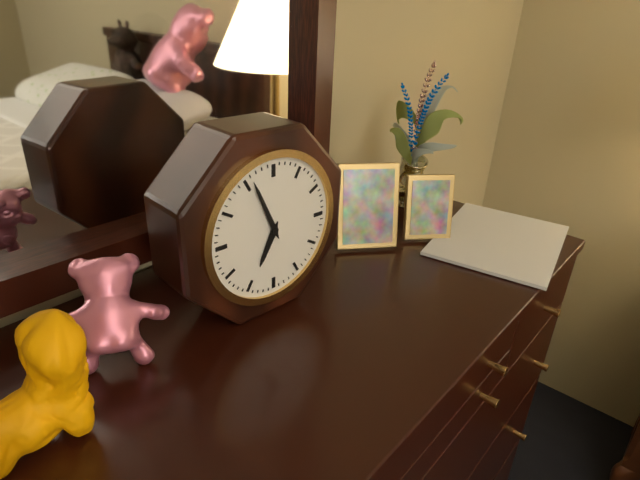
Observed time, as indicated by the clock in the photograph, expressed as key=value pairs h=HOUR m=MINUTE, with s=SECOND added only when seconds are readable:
h=6 m=56
